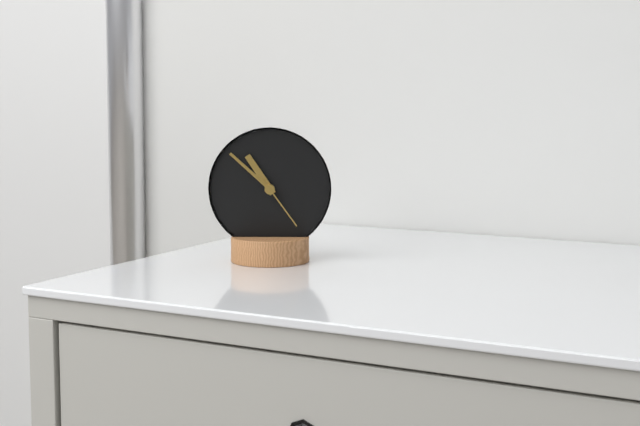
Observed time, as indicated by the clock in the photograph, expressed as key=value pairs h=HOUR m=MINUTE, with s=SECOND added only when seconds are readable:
h=10 m=52 s=24
